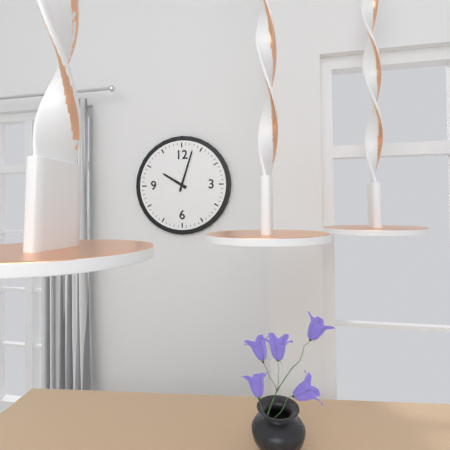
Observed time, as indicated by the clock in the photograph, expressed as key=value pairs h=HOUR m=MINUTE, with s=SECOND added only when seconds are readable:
h=10 m=3
